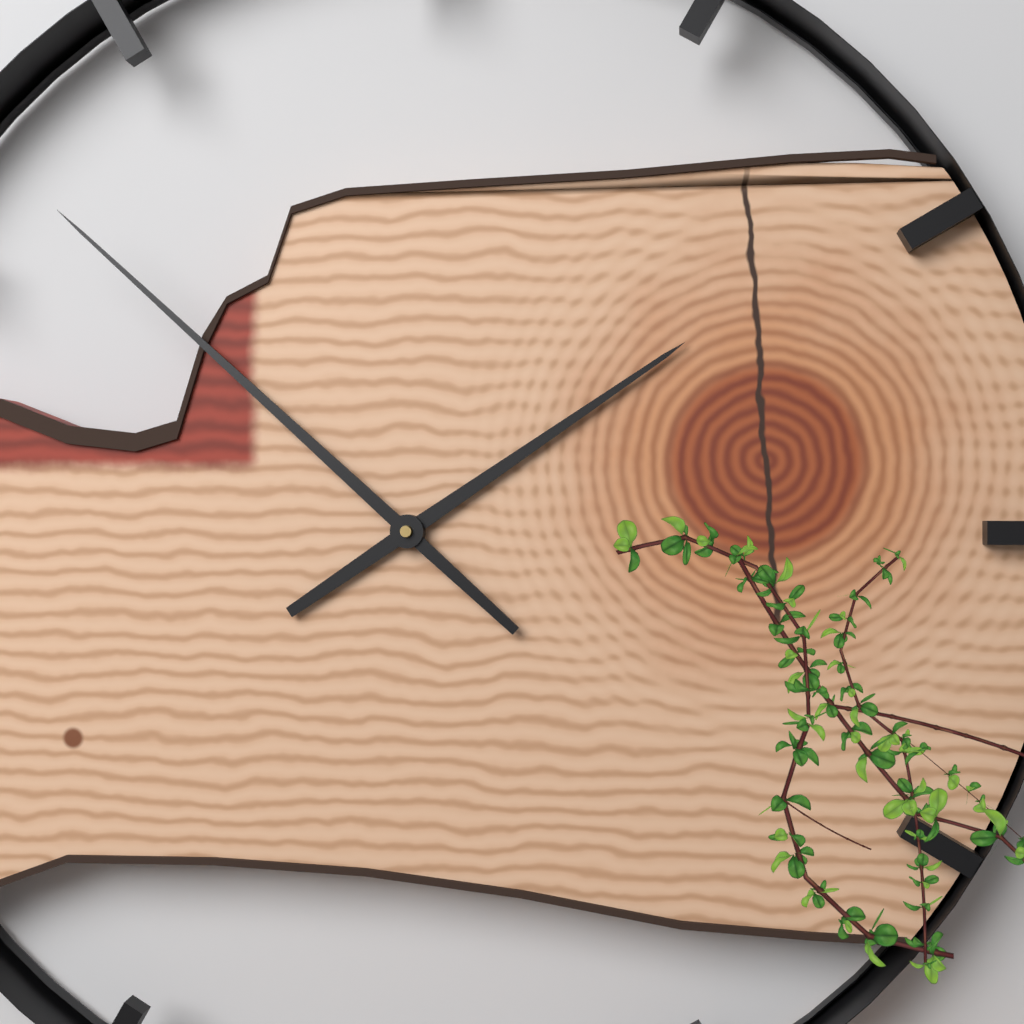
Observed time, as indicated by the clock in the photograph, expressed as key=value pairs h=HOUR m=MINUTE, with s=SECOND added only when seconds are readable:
h=1 m=52
